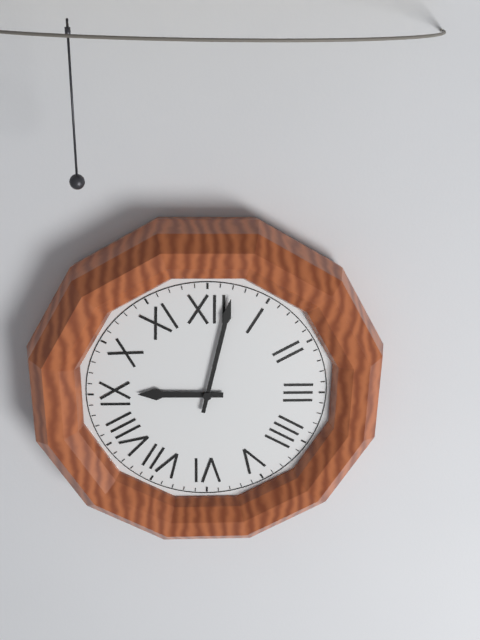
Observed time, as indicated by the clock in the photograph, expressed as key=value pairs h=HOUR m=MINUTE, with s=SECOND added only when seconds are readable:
h=9 m=2
